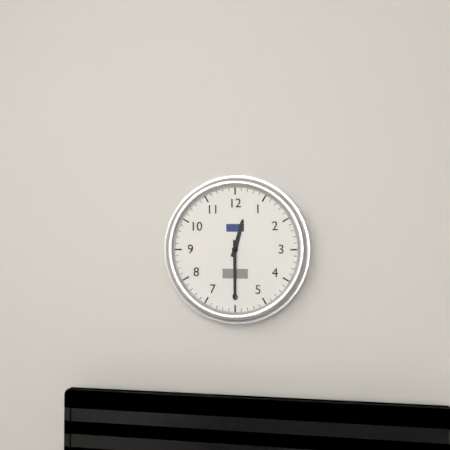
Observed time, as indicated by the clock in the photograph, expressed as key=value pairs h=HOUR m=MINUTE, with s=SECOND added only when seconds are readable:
h=12 m=30
